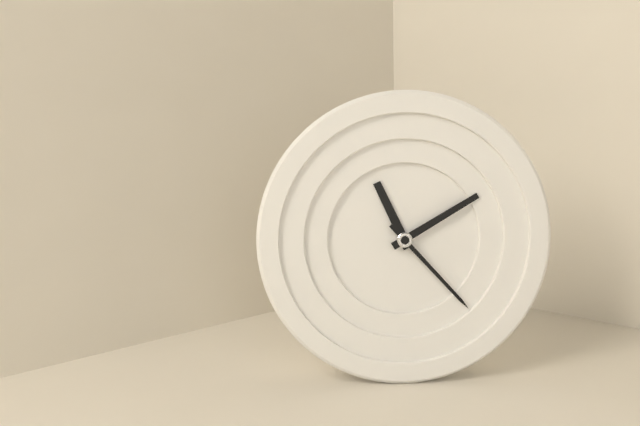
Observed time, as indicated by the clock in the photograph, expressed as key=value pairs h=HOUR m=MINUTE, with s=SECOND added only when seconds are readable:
h=11 m=10 s=23
